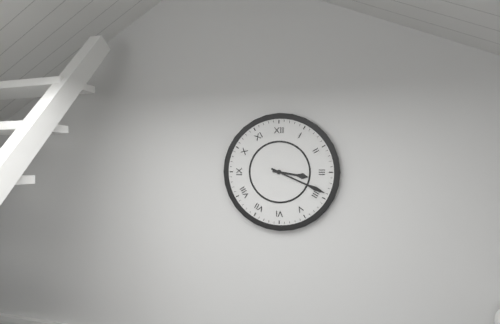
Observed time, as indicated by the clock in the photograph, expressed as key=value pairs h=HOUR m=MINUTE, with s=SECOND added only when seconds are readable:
h=3 m=19
